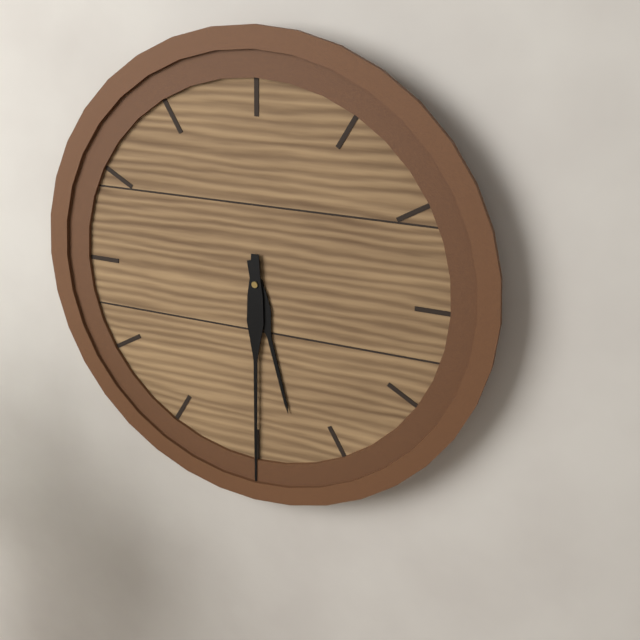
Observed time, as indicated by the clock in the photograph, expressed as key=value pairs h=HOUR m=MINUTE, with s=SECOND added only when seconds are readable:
h=5 m=30
